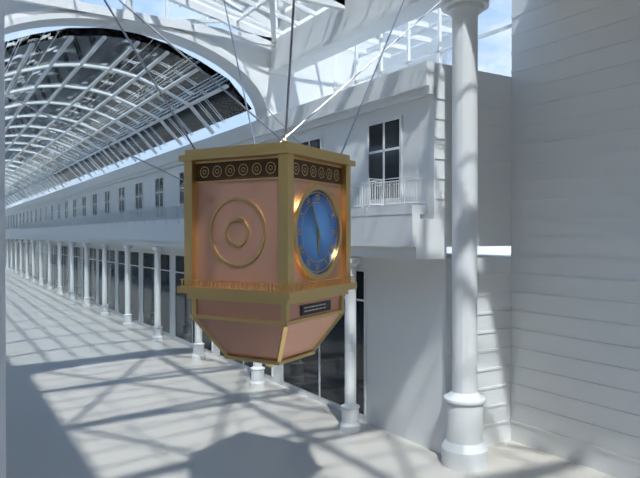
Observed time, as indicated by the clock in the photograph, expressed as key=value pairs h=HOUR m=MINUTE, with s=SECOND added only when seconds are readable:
h=5 m=56
